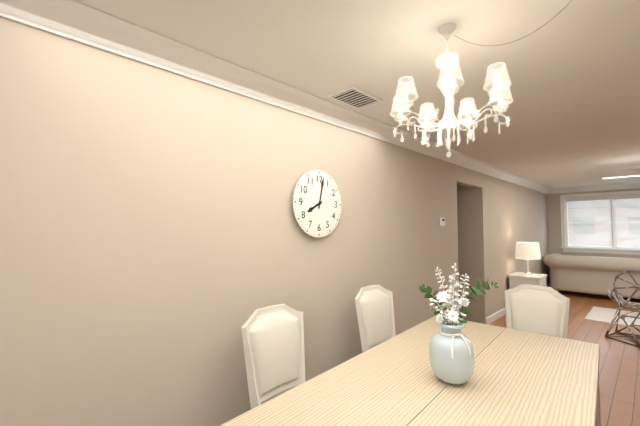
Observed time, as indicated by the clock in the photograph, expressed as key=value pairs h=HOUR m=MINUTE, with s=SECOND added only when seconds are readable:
h=8 m=2
